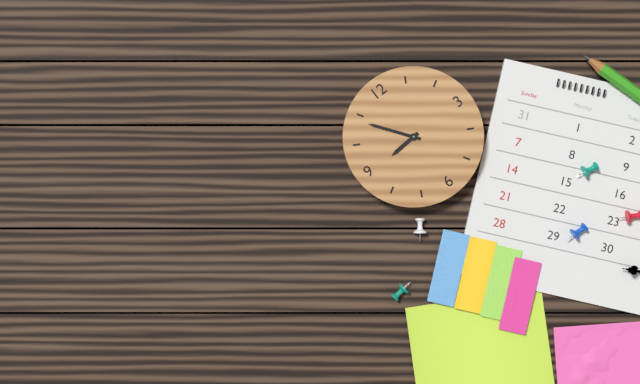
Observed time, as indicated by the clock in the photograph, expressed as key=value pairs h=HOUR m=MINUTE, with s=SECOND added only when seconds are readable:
h=8 m=54
